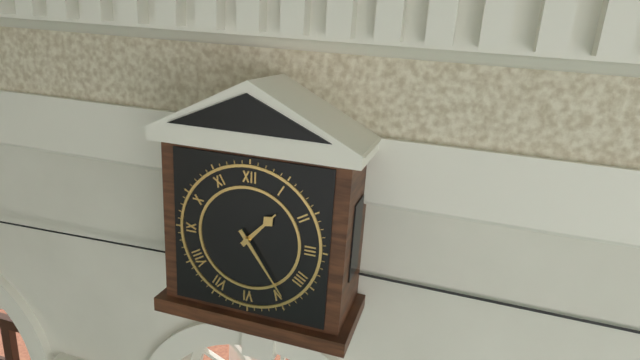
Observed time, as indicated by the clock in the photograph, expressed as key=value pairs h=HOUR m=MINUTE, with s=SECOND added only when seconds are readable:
h=1 m=24
